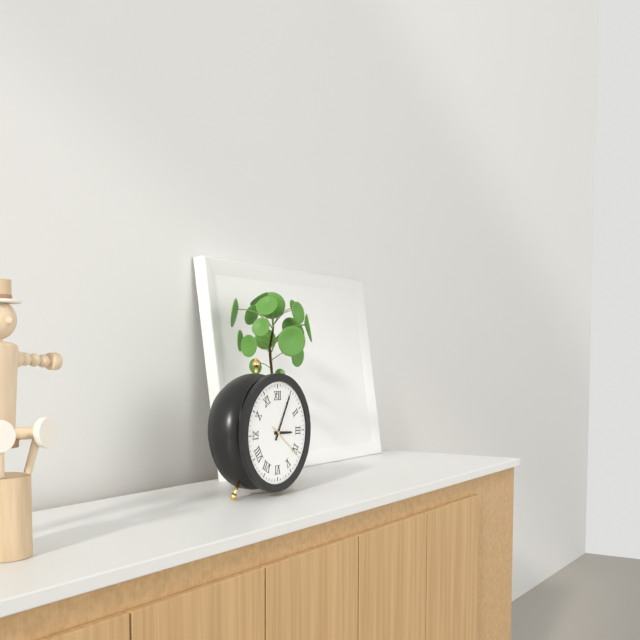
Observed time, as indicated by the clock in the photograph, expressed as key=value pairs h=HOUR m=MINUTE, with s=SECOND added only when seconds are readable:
h=3 m=5
